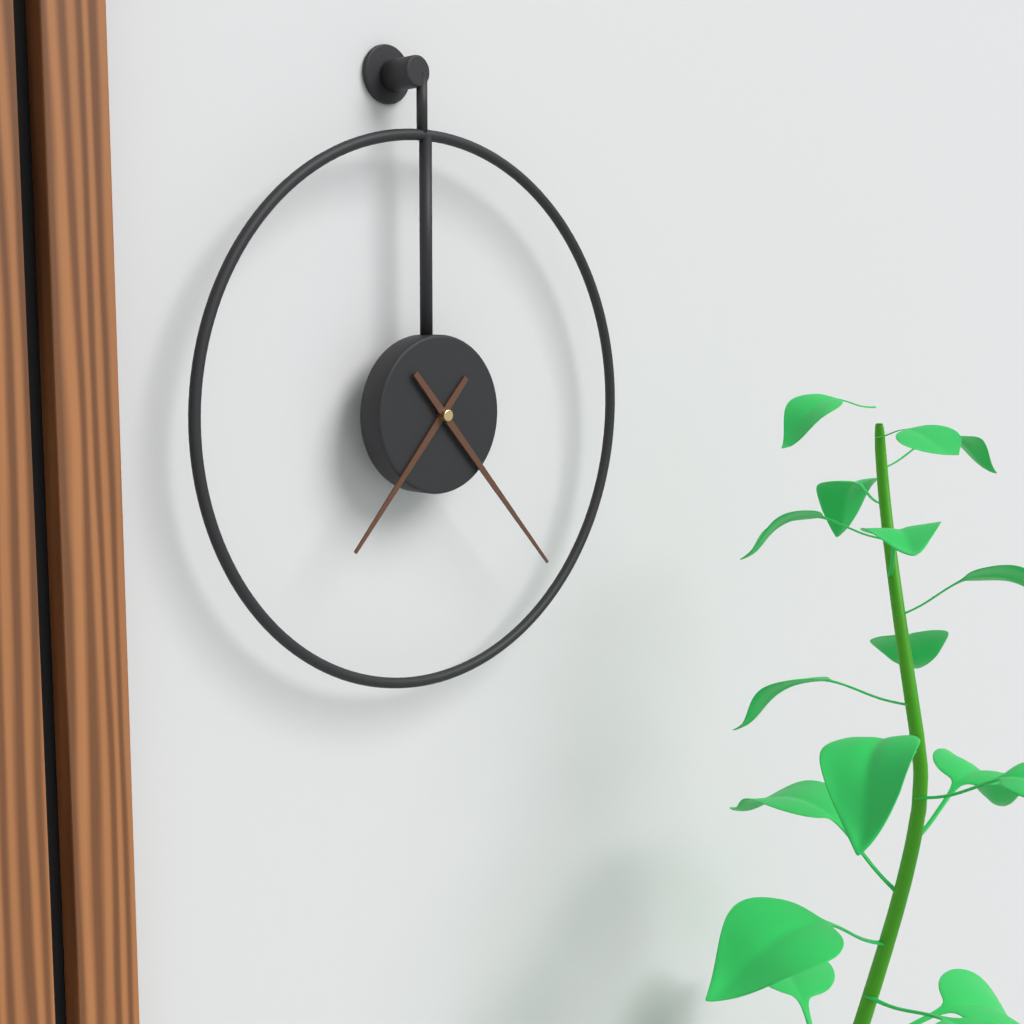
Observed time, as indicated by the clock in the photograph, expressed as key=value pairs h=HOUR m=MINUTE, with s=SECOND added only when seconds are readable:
h=7 m=23
